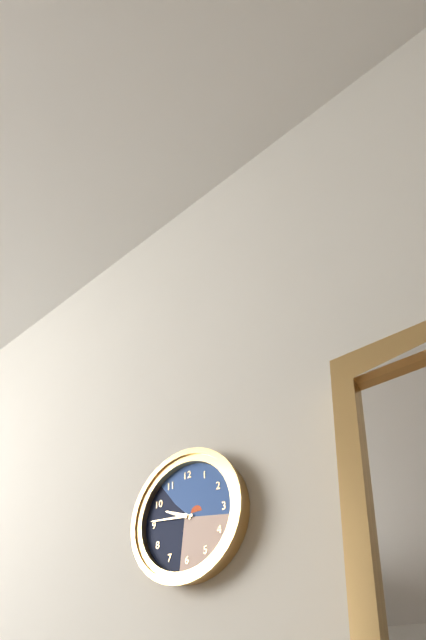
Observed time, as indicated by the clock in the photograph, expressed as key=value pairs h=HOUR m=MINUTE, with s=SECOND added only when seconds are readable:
h=9 m=46
